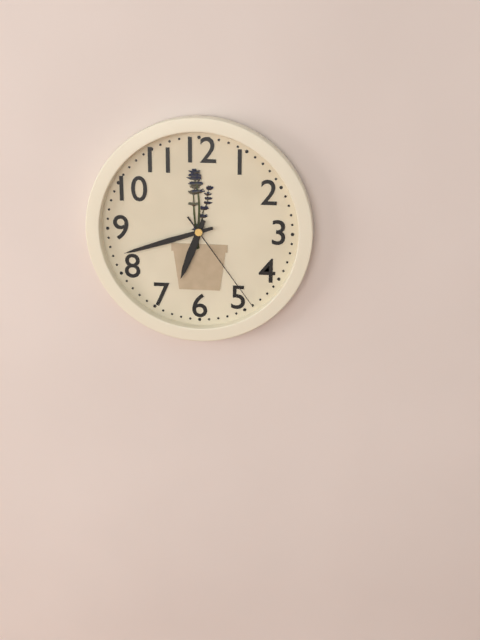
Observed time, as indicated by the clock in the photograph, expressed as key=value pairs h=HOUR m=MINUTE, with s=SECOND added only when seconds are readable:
h=6 m=42 s=24
